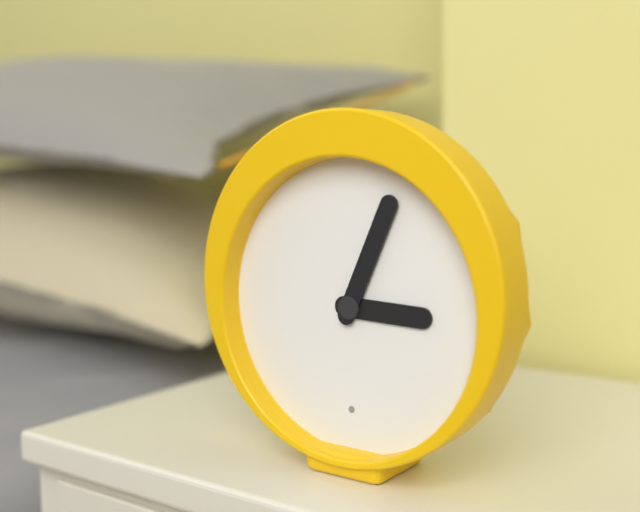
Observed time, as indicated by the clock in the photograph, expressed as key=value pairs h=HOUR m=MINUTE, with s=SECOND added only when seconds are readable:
h=3 m=4
